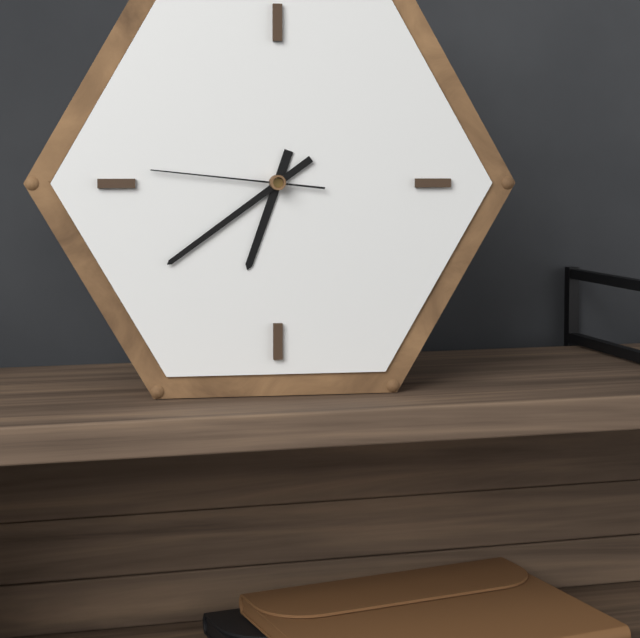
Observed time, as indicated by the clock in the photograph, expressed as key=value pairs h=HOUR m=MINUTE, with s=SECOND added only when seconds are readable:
h=6 m=39 s=46
